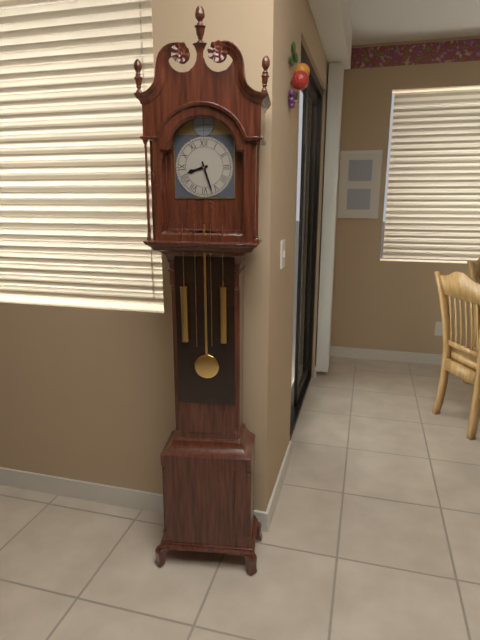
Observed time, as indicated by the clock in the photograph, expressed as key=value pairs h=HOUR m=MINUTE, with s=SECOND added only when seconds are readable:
h=8 m=27
